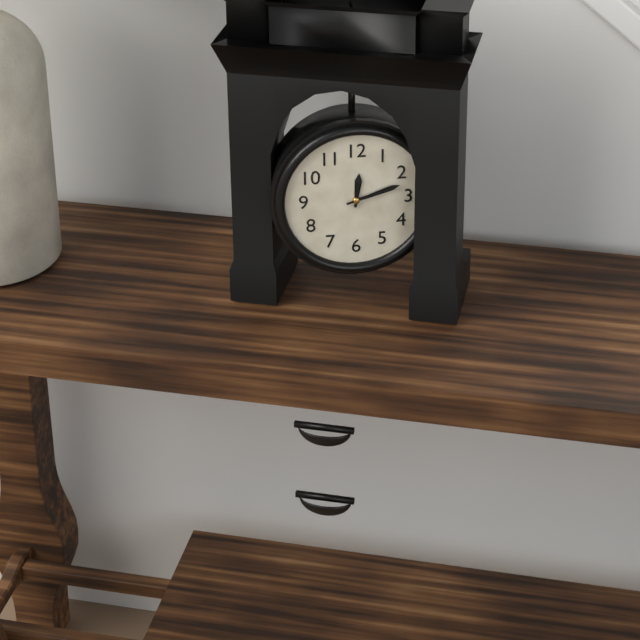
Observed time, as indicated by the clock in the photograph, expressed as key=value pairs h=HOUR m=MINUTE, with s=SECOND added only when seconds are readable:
h=12 m=12
